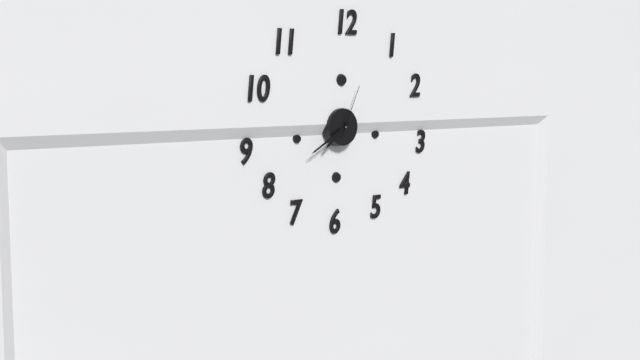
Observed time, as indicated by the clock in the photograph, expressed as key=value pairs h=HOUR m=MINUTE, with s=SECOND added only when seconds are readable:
h=7 m=40 s=4
